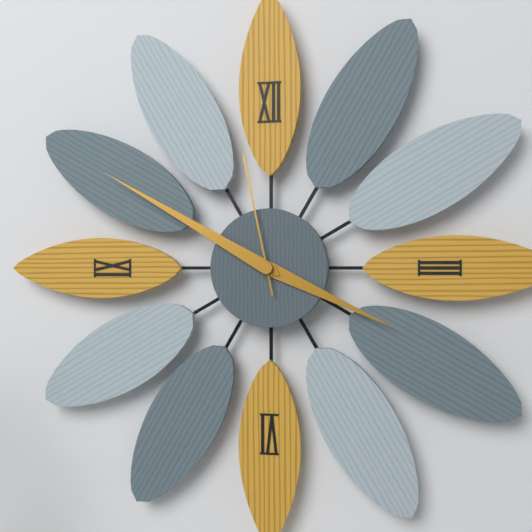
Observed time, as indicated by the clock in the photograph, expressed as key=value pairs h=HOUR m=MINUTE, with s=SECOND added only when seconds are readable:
h=3 m=50 s=58
